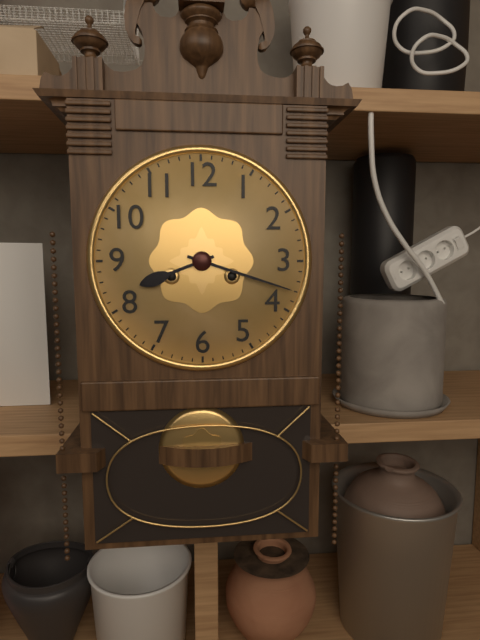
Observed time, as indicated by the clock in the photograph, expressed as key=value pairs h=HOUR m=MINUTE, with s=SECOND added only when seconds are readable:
h=8 m=18
